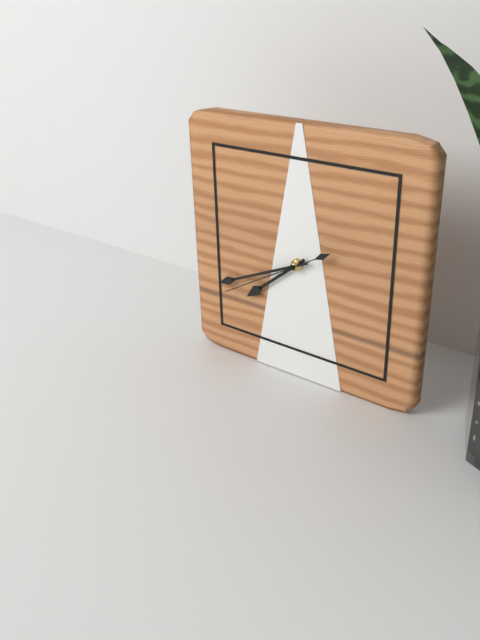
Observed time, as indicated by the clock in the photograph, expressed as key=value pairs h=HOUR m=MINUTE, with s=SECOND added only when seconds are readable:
h=7 m=41 s=40
